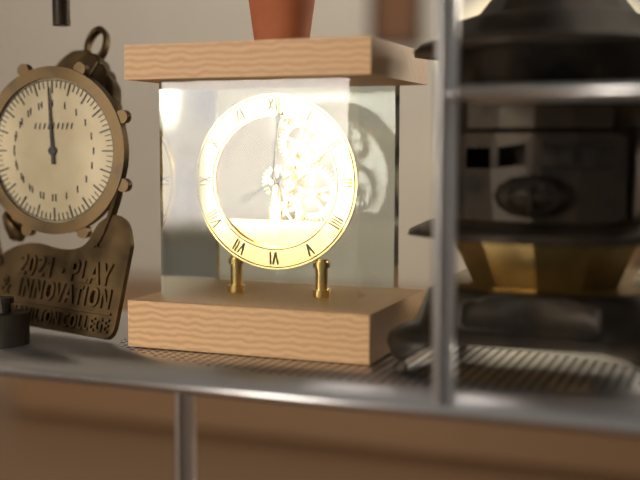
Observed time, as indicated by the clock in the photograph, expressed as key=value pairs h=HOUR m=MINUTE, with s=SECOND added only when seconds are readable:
h=8 m=1
